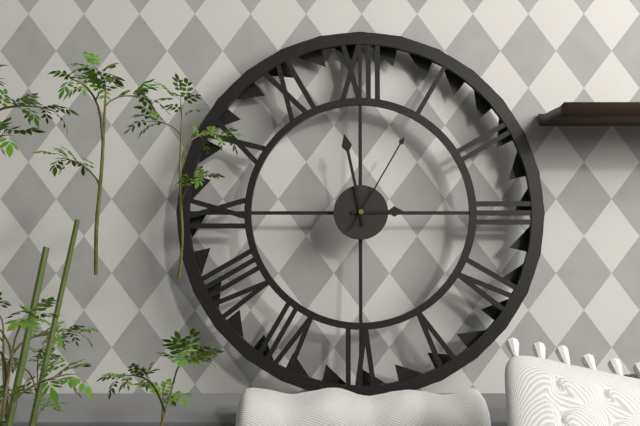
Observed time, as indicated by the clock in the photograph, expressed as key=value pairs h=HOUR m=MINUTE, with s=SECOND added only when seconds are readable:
h=2 m=58 s=5
